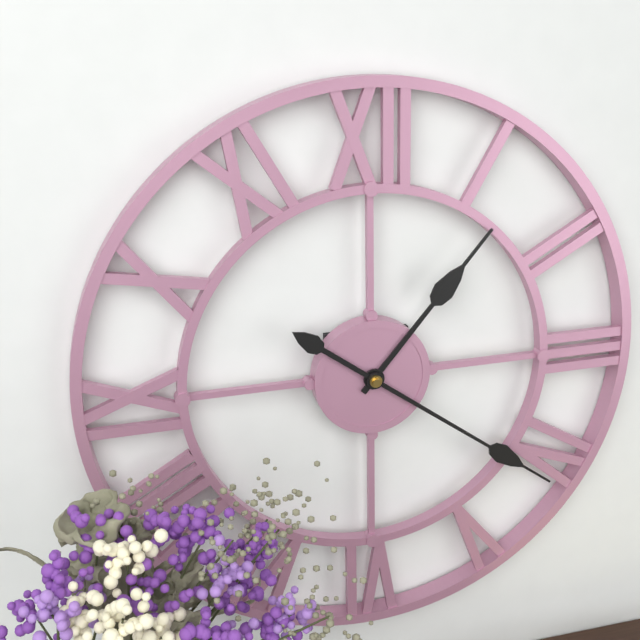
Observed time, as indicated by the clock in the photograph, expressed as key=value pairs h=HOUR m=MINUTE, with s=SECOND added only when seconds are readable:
h=1 m=21
